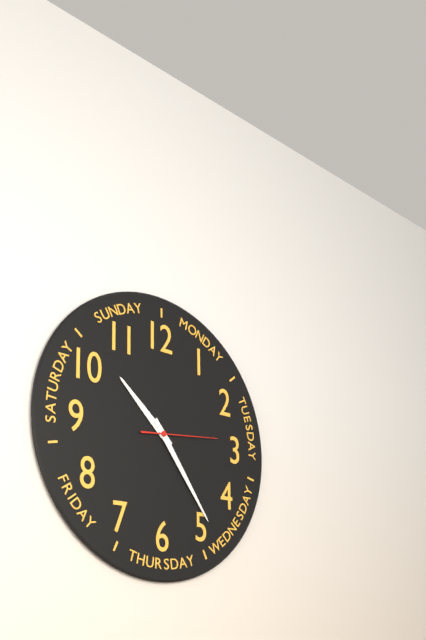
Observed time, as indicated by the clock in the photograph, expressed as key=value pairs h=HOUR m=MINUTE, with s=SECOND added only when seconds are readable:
h=10 m=24 s=14
